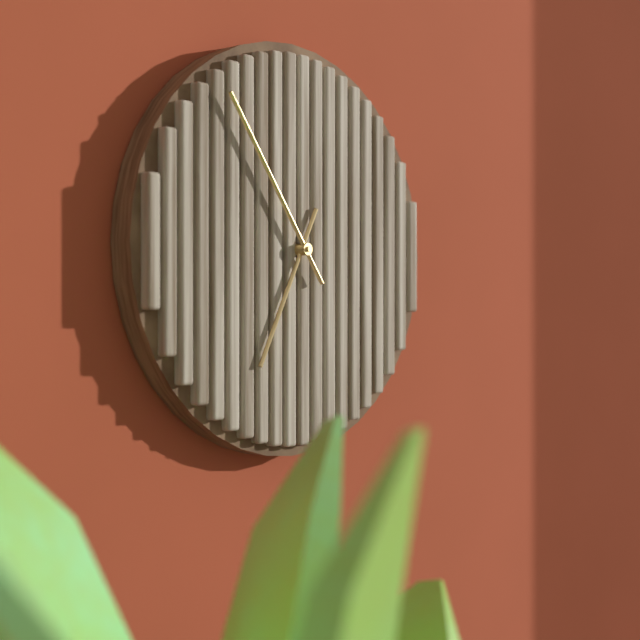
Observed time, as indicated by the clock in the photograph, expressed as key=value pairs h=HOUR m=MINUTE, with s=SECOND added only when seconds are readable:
h=6 m=54
